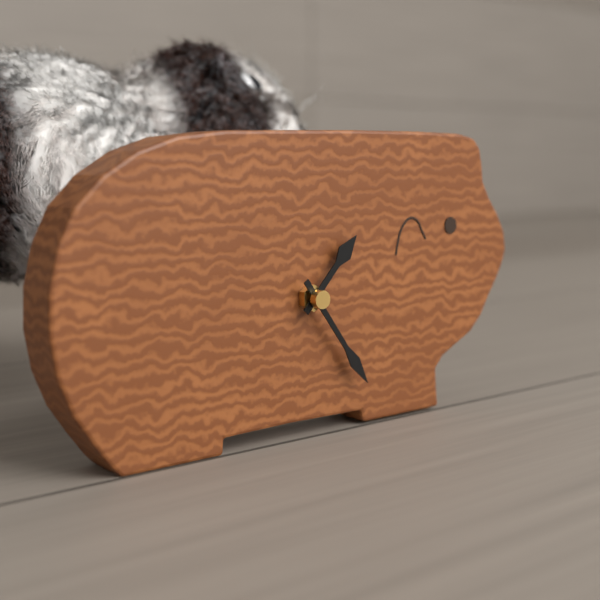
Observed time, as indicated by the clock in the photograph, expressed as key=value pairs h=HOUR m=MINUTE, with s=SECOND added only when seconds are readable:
h=1 m=24
